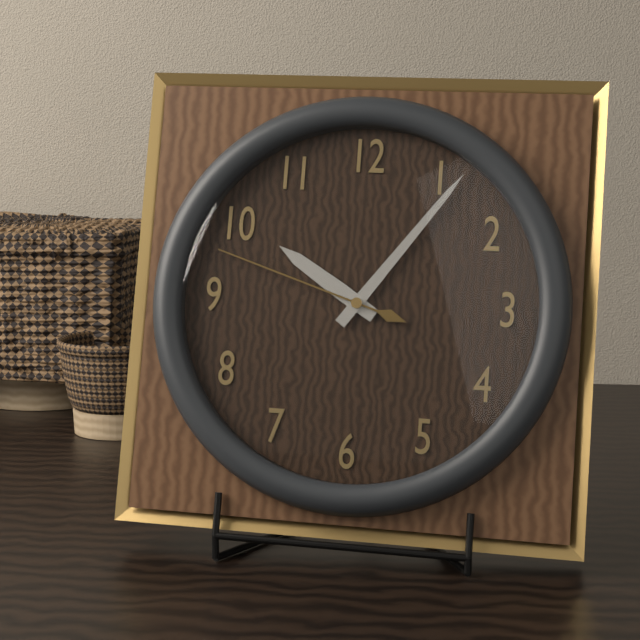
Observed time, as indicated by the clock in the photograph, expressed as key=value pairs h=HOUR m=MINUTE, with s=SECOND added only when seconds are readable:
h=10 m=6 s=48
